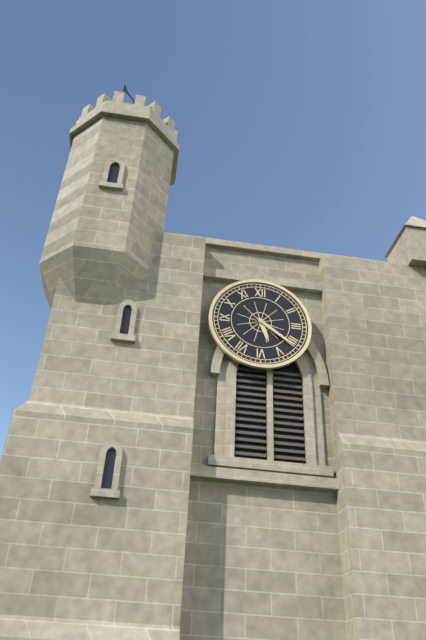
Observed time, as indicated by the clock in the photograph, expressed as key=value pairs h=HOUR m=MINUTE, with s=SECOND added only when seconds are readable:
h=5 m=21
